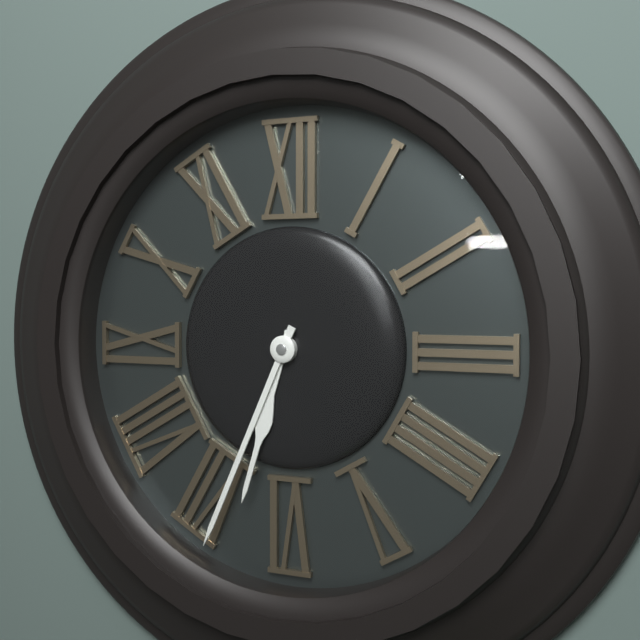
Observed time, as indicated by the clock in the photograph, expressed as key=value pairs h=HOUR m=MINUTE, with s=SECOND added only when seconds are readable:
h=6 m=34
